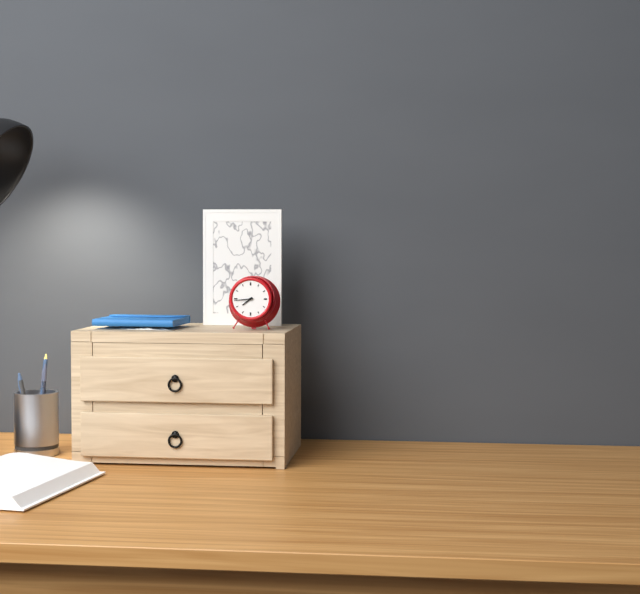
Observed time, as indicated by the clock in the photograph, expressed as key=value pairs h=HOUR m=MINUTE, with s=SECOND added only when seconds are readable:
h=7 m=44
